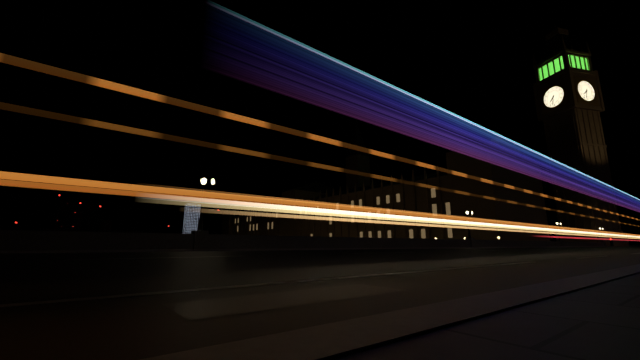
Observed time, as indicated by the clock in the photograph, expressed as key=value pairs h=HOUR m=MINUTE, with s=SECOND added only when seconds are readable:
h=7 m=32
